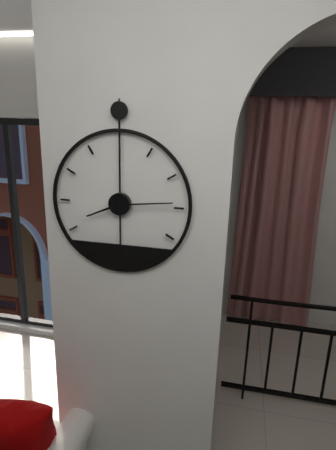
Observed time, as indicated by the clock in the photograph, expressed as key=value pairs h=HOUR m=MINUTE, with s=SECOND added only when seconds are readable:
h=8 m=14
